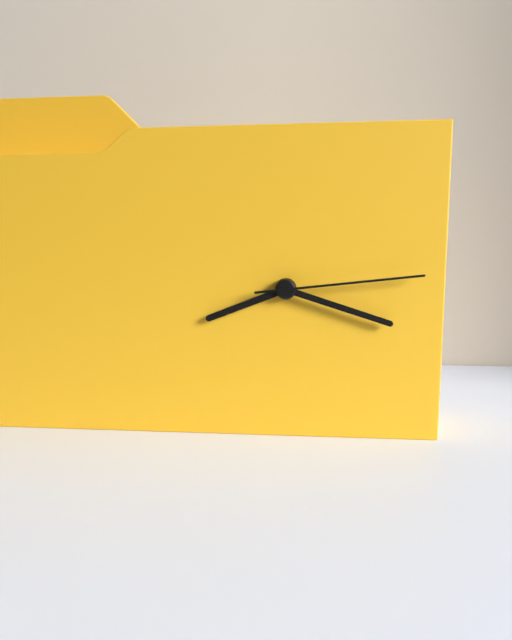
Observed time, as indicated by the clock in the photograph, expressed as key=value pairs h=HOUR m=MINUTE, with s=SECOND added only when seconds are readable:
h=8 m=18 s=14
